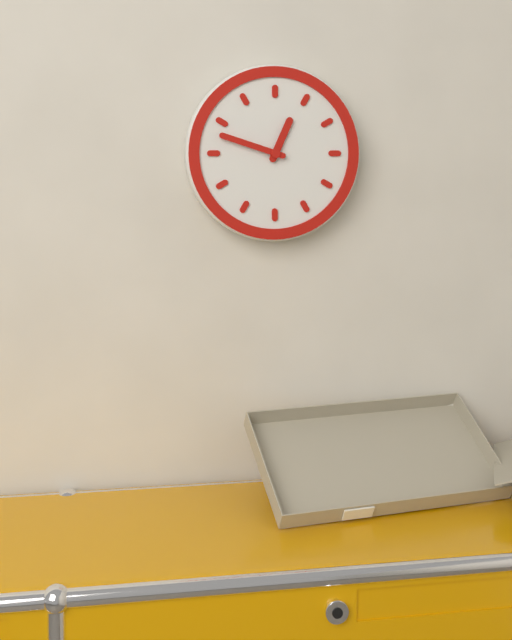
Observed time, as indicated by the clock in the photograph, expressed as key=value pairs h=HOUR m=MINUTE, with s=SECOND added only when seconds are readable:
h=12 m=48
